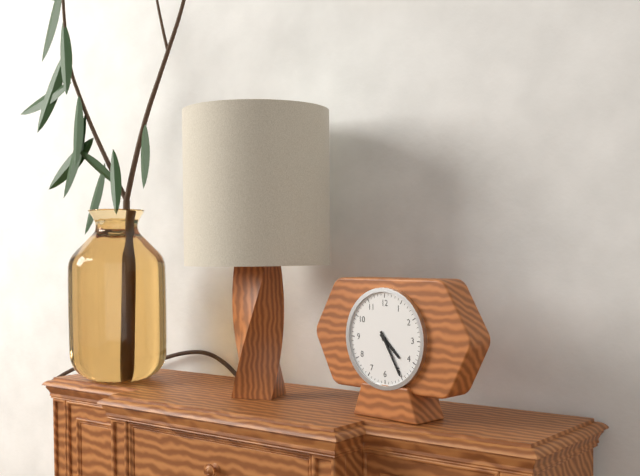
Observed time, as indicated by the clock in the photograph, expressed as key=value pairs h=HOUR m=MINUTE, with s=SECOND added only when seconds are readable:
h=4 m=25
